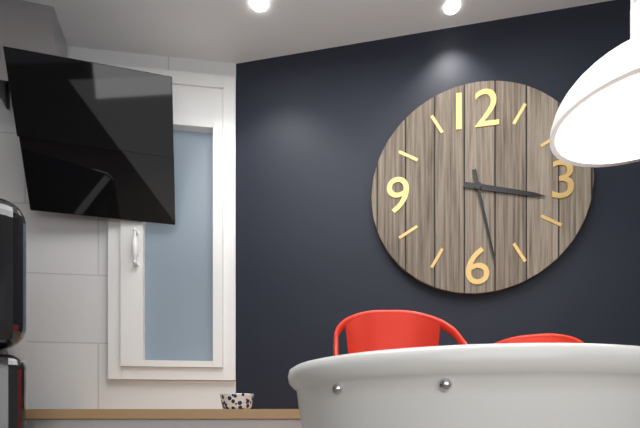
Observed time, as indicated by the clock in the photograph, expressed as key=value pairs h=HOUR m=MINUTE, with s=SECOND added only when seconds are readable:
h=3 m=28
